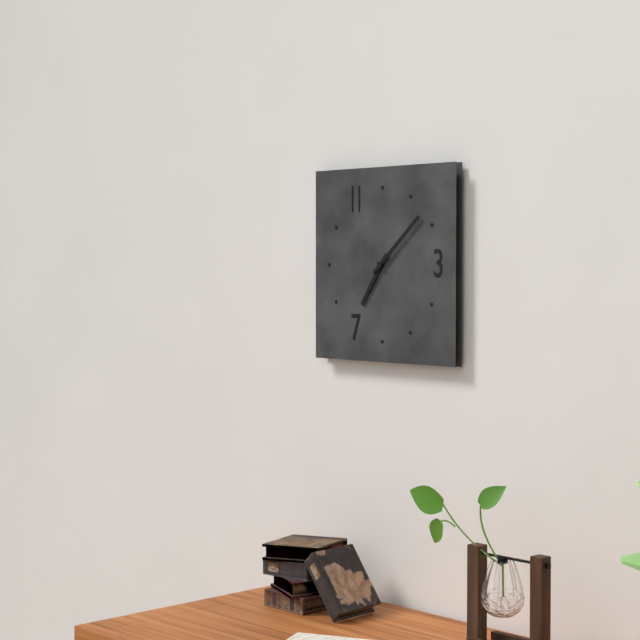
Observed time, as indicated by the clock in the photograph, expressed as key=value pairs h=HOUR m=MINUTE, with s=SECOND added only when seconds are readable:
h=7 m=8
